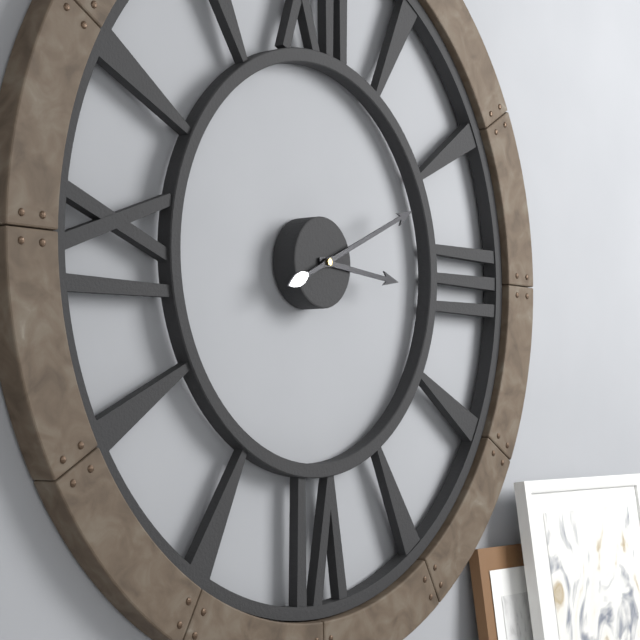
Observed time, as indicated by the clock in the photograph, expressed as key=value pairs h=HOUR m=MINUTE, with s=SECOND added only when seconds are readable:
h=3 m=11
